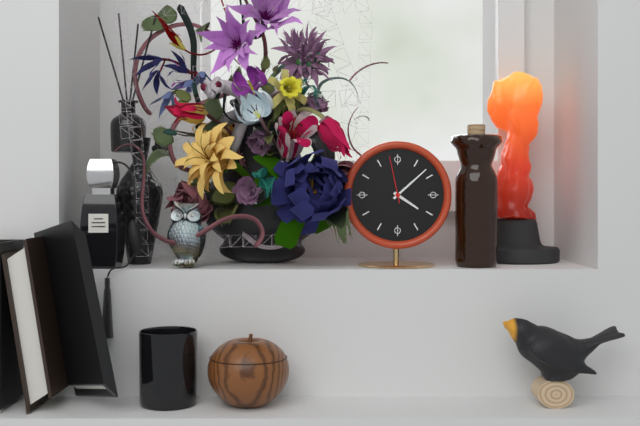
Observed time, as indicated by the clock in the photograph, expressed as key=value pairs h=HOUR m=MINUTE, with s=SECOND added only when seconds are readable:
h=4 m=8
